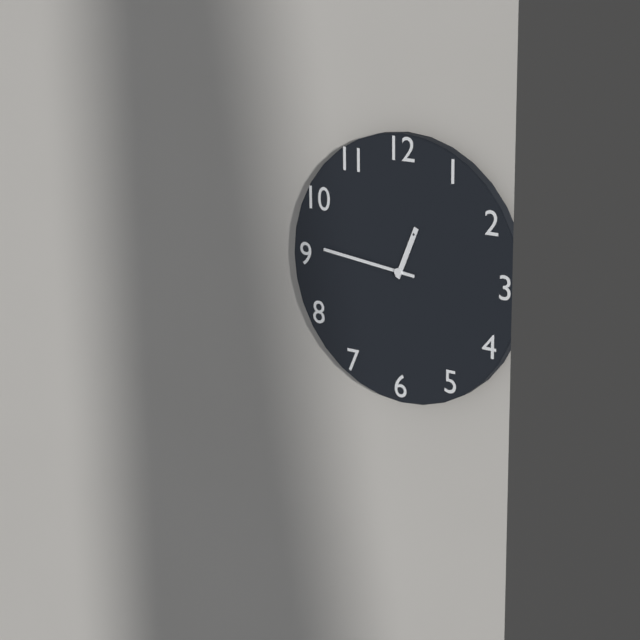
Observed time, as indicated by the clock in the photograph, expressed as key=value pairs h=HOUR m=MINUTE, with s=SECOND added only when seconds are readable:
h=12 m=46
